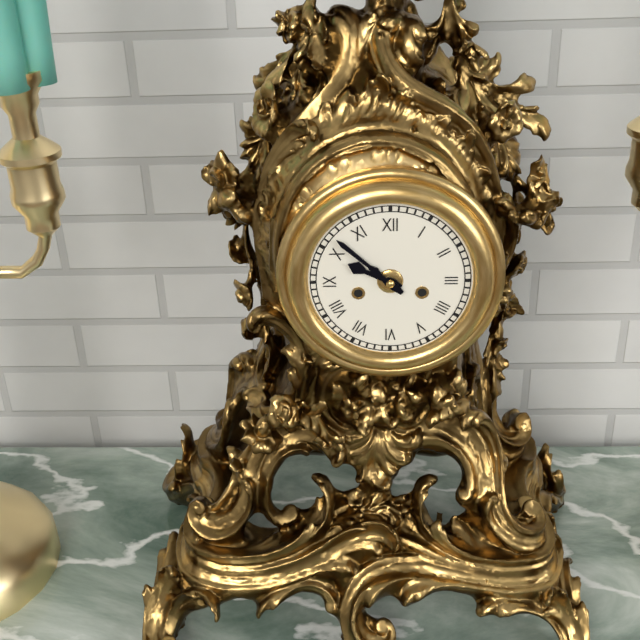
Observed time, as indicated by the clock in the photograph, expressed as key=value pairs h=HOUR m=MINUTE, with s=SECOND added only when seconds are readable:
h=9 m=52
